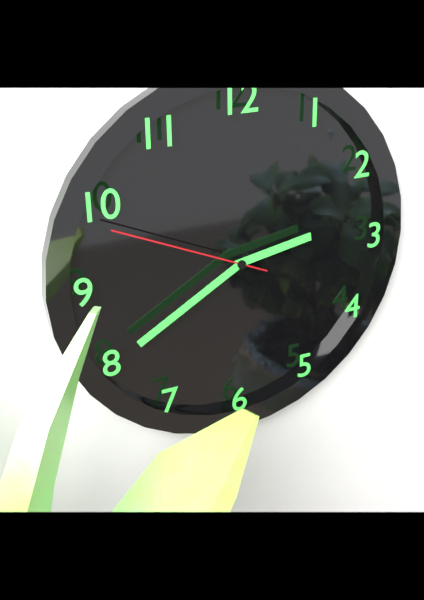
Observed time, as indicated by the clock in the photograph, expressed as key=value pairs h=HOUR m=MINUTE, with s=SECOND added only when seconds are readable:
h=2 m=40 s=49
